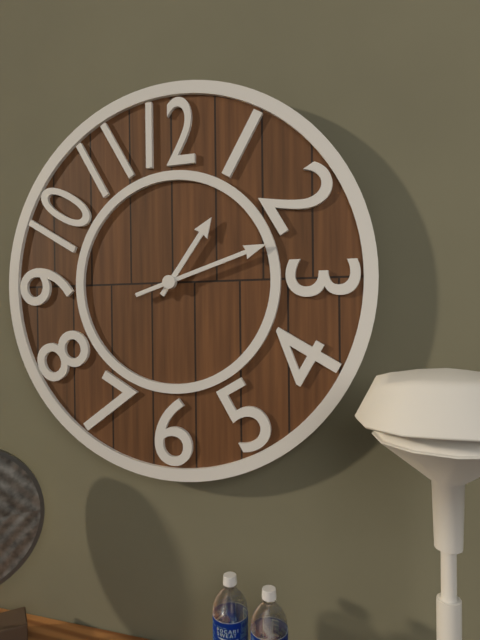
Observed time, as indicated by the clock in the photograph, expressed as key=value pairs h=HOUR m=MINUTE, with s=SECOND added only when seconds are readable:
h=1 m=12
